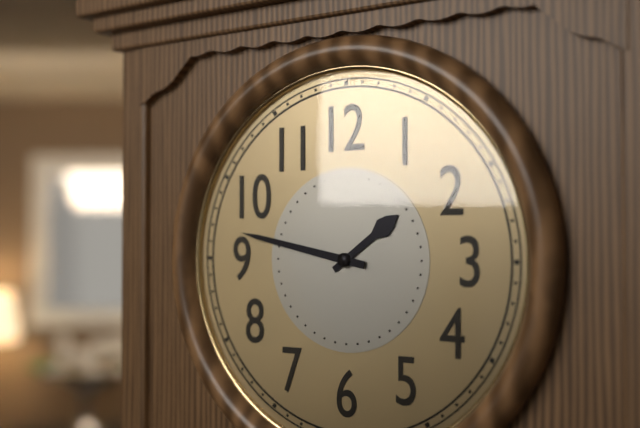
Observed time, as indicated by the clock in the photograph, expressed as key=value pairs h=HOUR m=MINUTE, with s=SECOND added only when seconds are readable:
h=1 m=47
